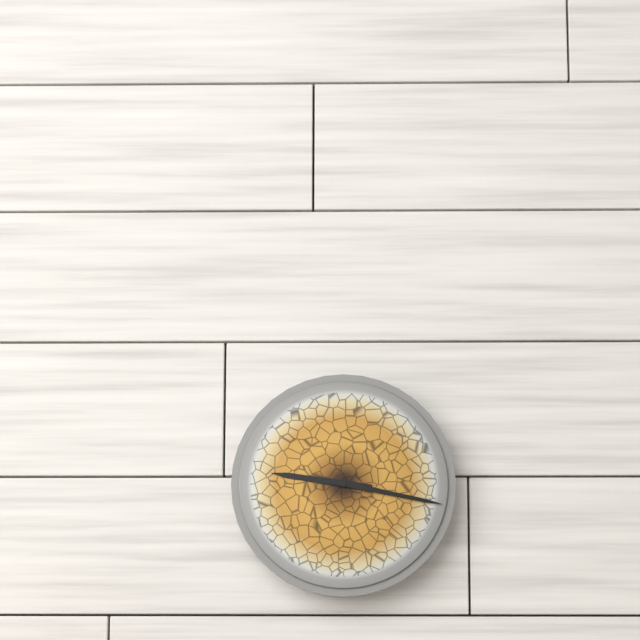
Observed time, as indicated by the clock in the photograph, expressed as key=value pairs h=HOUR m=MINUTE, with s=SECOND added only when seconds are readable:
h=9 m=17
